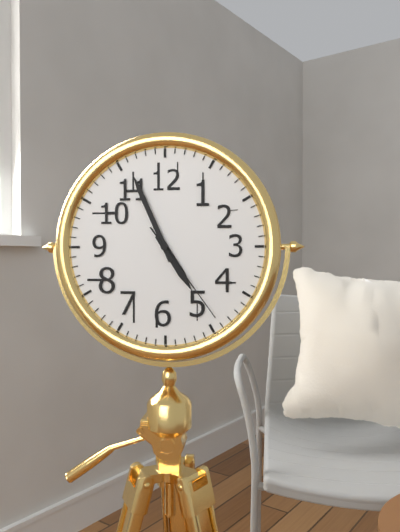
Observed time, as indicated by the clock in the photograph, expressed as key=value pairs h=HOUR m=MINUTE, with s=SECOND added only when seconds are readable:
h=4 m=56 s=24
